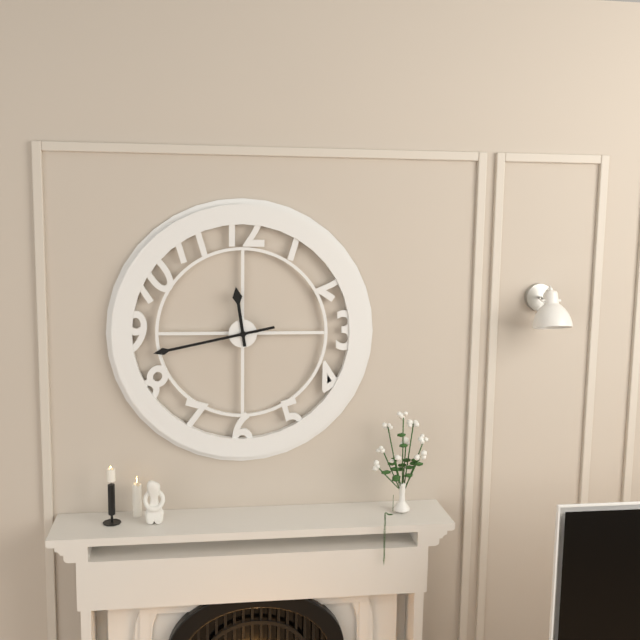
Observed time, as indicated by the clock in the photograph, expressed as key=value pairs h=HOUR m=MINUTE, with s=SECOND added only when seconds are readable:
h=11 m=43
